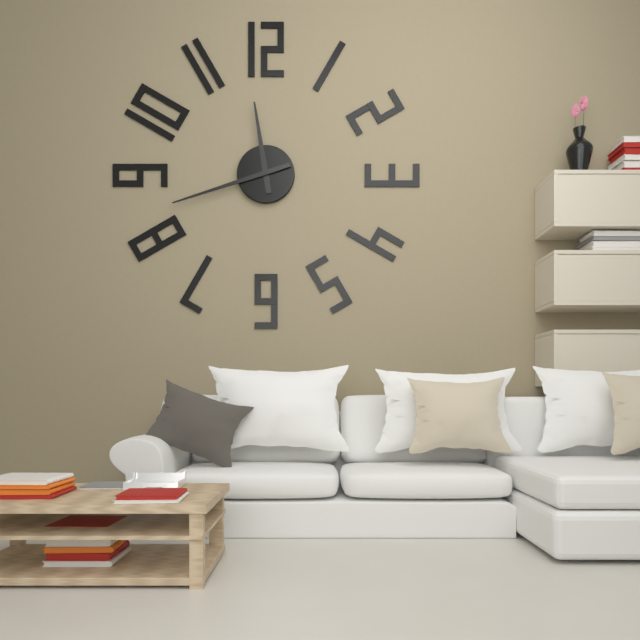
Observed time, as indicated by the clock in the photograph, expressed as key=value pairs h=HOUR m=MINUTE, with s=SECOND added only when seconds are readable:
h=11 m=42
